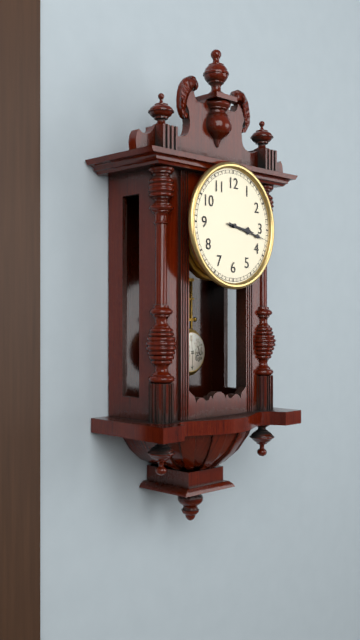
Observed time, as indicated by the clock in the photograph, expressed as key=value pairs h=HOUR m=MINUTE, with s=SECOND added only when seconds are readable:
h=3 m=17
